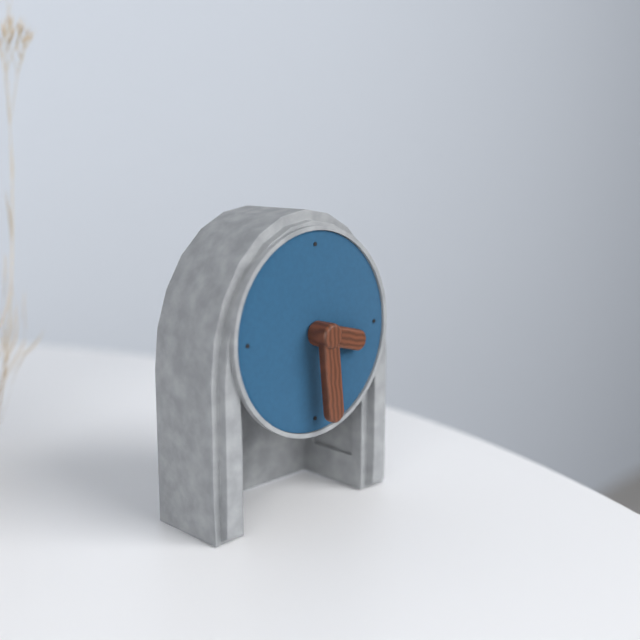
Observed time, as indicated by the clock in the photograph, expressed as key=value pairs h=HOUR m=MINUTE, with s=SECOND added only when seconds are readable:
h=3 m=29
